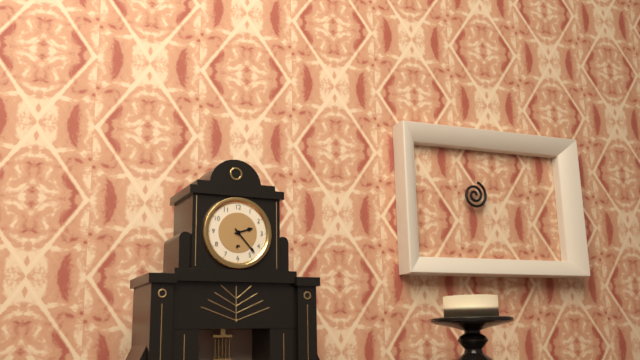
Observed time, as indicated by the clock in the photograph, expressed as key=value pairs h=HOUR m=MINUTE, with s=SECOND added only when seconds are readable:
h=2 m=23
